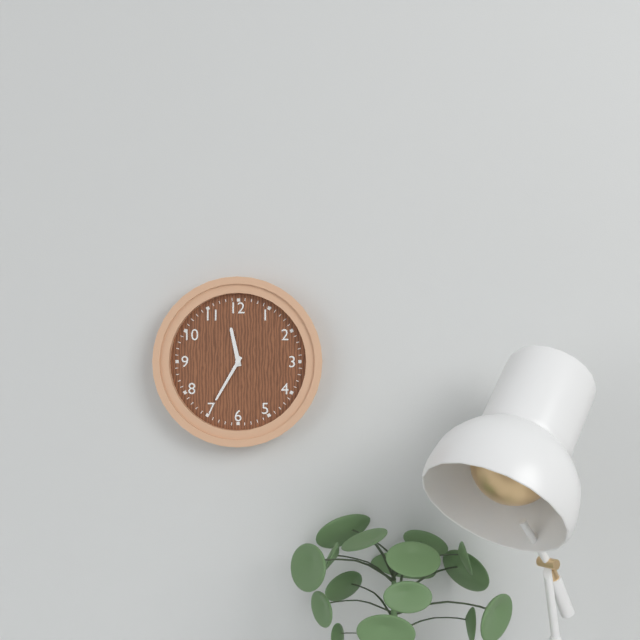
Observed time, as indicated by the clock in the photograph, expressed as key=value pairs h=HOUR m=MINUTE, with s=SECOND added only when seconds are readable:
h=11 m=35
